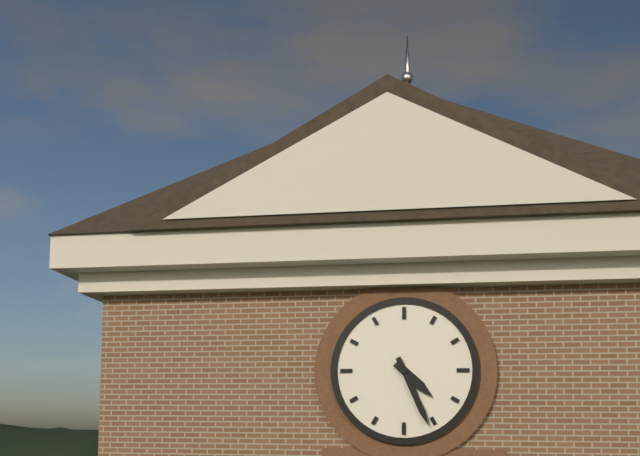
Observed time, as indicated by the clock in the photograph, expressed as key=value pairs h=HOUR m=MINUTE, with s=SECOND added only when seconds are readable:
h=4 m=26
